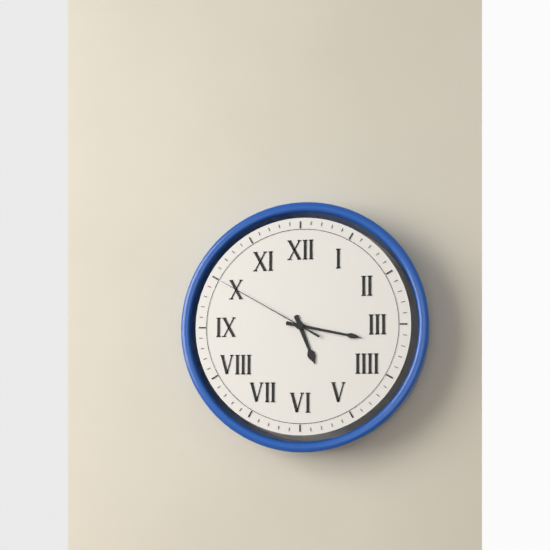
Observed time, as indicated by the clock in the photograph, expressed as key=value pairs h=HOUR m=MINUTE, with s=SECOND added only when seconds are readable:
h=5 m=17 s=50
